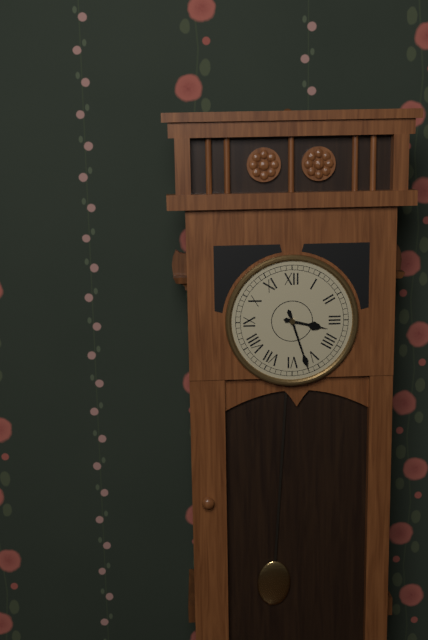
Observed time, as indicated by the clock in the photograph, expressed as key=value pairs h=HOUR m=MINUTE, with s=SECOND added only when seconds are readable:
h=3 m=27
